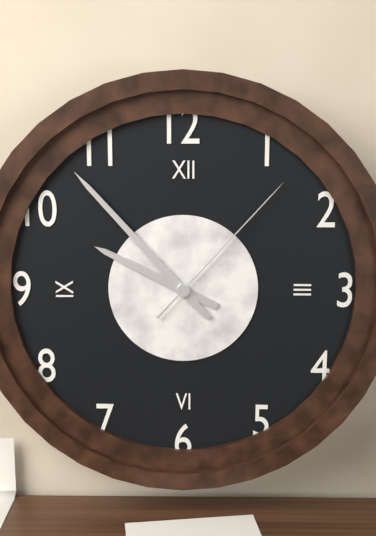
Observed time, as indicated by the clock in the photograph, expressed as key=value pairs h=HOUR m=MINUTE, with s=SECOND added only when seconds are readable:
h=9 m=53 s=7
